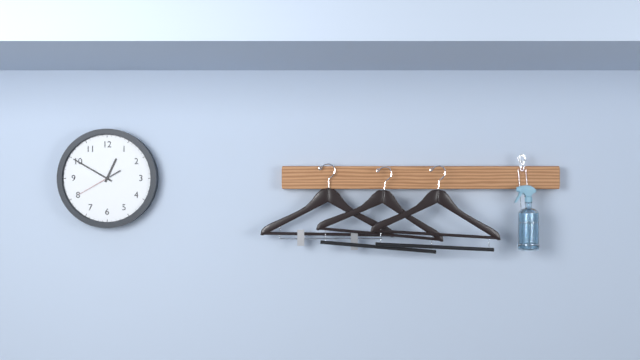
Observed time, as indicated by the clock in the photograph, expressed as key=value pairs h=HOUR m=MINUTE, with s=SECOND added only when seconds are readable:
h=12 m=50
